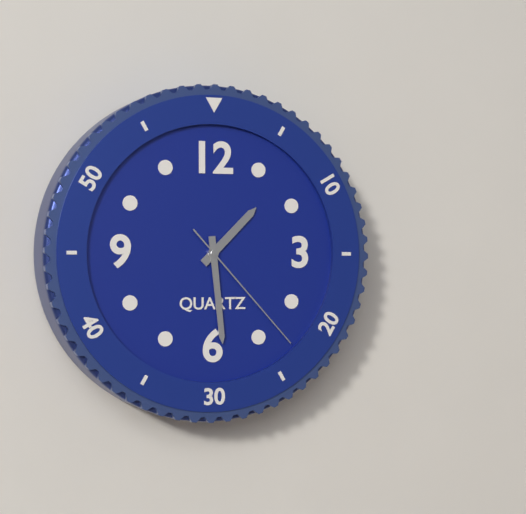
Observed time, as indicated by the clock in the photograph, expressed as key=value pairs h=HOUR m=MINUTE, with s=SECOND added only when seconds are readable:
h=1 m=29 s=23
